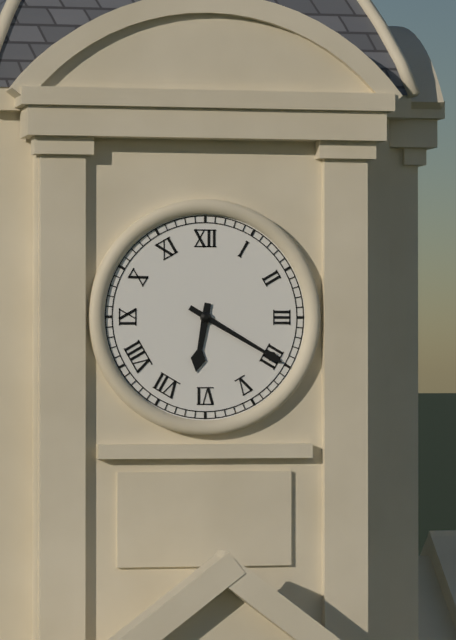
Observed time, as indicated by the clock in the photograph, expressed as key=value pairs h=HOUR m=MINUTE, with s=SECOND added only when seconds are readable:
h=6 m=20
